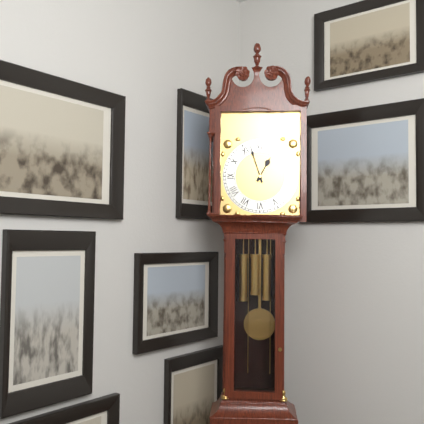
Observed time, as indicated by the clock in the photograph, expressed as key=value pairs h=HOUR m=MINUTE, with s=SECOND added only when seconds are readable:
h=12 m=57
